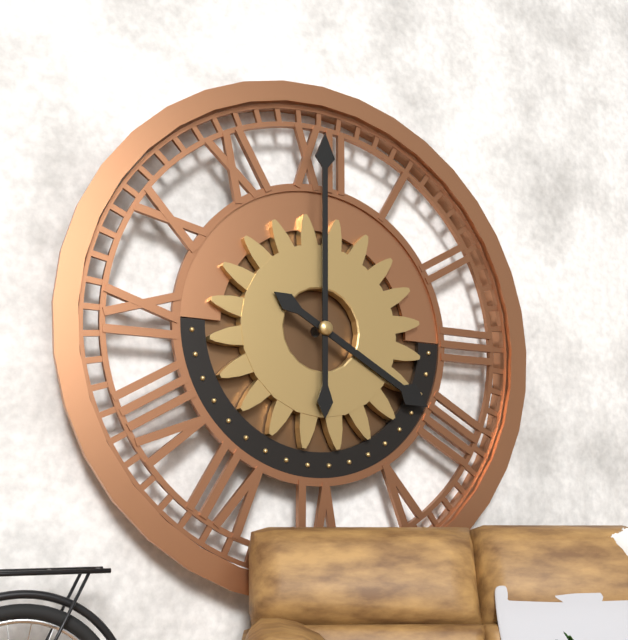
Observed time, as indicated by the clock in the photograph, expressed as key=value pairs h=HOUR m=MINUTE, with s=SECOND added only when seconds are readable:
h=4 m=0
